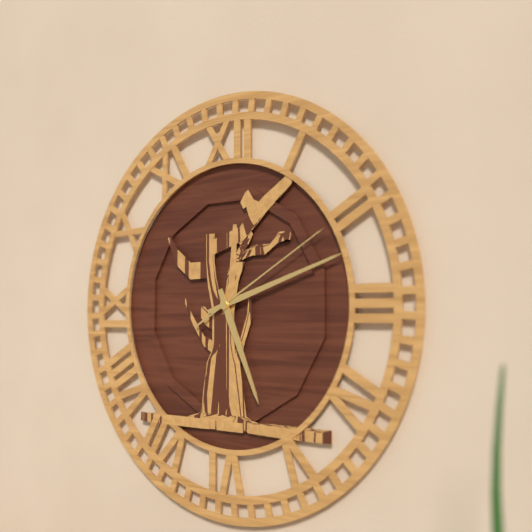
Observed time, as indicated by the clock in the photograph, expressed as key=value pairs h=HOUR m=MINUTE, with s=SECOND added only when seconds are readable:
h=5 m=12 s=10
